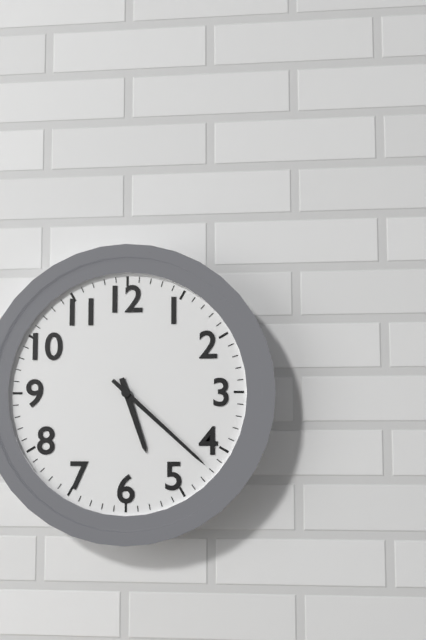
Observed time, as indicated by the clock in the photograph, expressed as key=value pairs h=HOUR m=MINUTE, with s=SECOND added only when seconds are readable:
h=5 m=22
